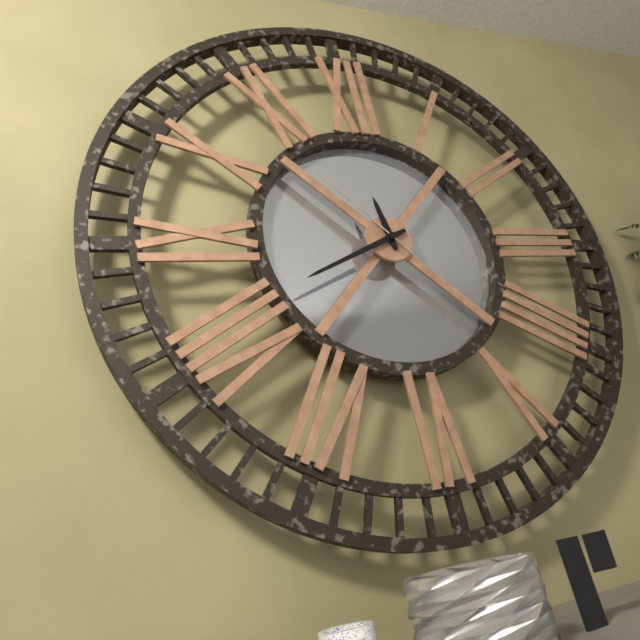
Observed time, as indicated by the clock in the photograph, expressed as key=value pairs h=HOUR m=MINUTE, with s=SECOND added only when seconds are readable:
h=11 m=41 s=53
